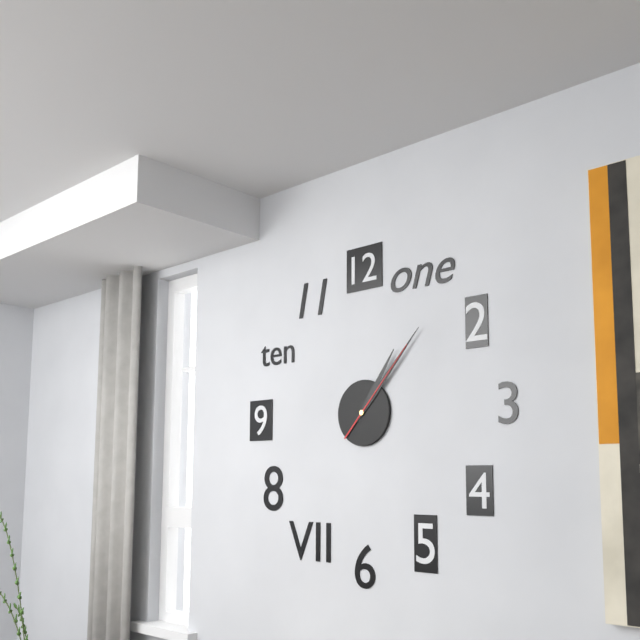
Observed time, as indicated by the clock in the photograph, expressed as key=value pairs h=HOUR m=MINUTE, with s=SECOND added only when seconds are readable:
h=1 m=7 s=7
